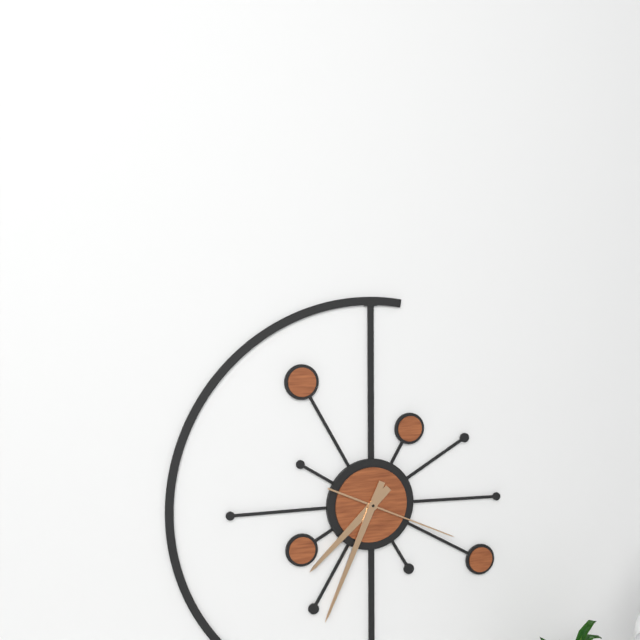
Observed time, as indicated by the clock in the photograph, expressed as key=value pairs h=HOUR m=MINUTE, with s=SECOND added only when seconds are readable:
h=7 m=34 s=19
